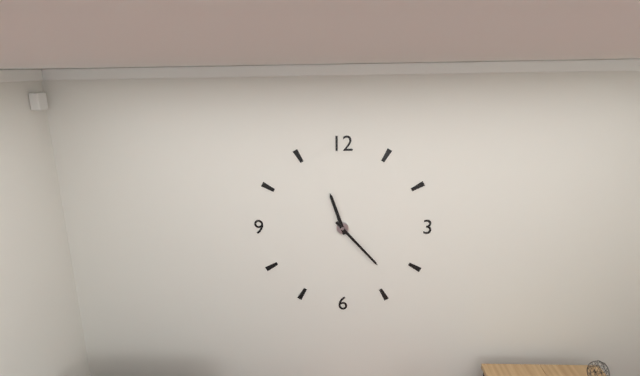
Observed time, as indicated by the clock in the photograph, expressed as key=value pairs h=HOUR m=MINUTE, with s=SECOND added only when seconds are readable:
h=11 m=23
